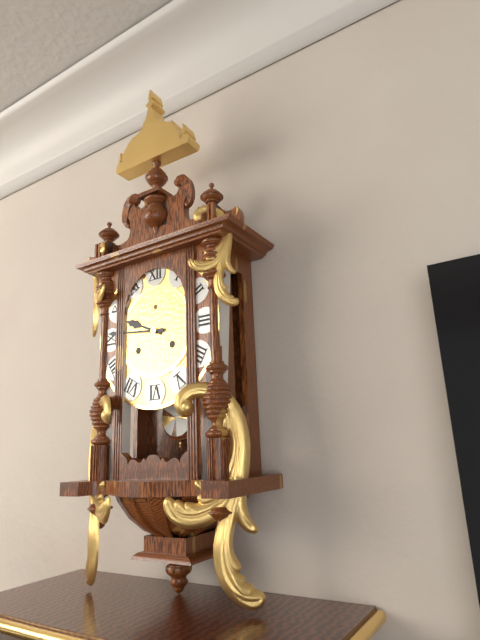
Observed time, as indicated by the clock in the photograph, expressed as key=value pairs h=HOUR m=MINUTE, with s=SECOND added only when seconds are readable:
h=9 m=46
